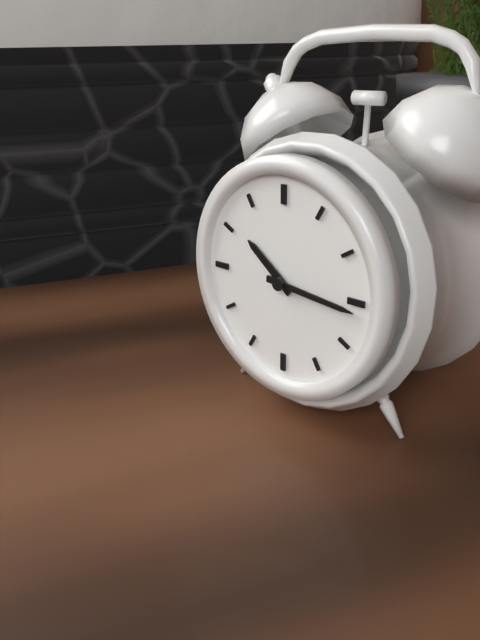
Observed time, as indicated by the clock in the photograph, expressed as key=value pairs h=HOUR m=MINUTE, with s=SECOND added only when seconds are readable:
h=10 m=16
